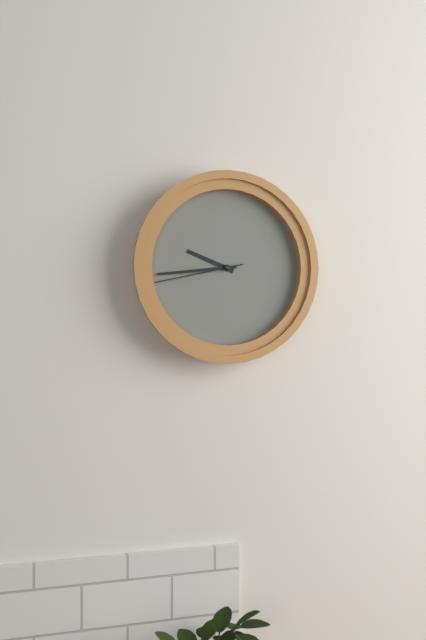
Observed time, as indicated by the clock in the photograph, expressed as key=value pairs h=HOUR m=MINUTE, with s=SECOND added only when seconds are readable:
h=9 m=44 s=43
